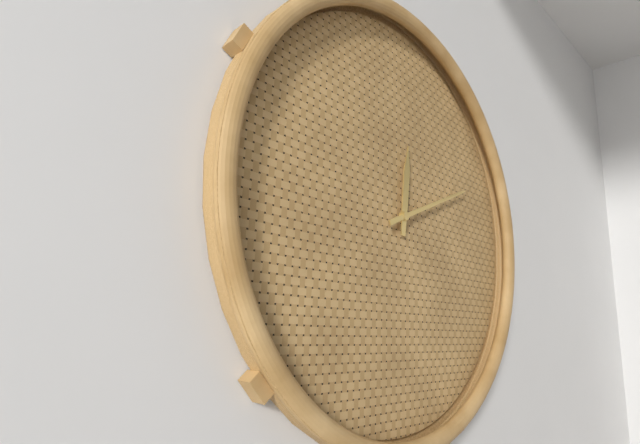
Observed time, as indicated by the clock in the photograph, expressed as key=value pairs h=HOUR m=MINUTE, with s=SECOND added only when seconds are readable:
h=12 m=11
